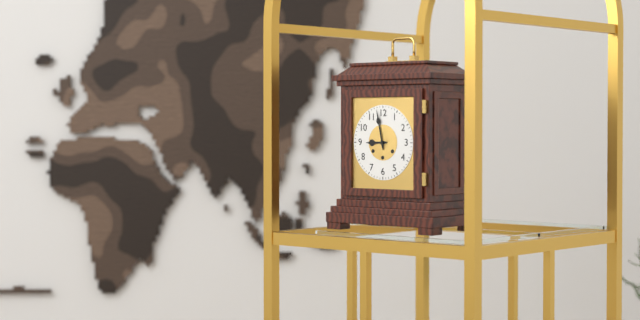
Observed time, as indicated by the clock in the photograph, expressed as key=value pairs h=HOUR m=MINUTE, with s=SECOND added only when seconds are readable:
h=8 m=58
